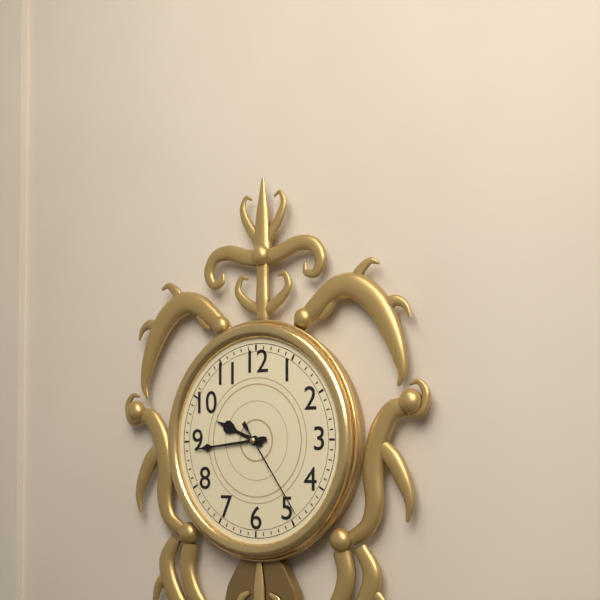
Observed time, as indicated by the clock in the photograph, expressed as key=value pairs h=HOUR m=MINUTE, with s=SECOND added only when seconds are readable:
h=9 m=44 s=24
